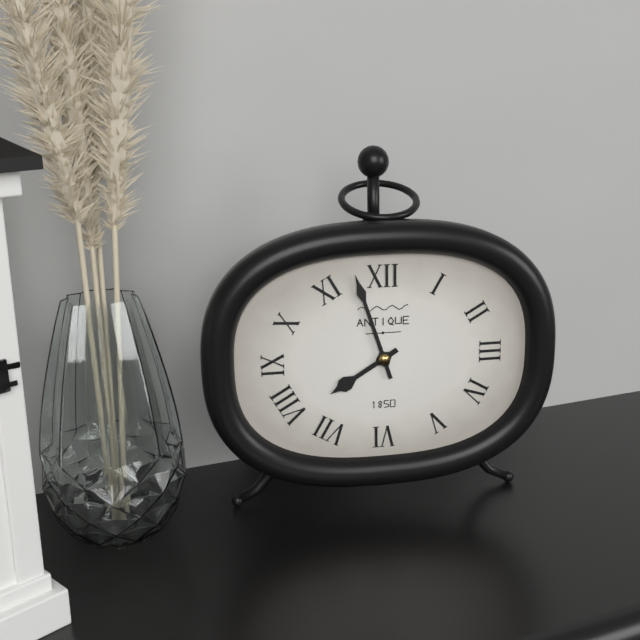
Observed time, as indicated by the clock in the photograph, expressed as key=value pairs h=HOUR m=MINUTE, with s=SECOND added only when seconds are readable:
h=7 m=57
